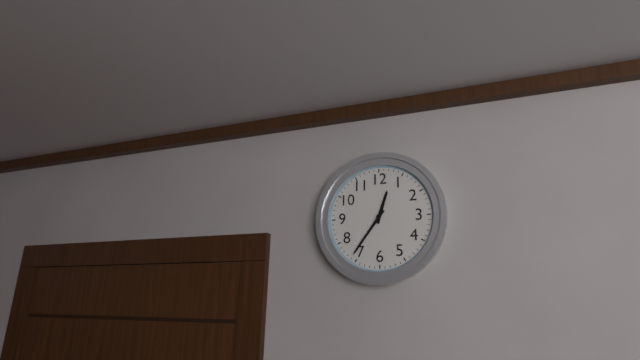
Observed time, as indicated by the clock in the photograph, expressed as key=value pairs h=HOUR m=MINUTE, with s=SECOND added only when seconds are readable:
h=12 m=36
